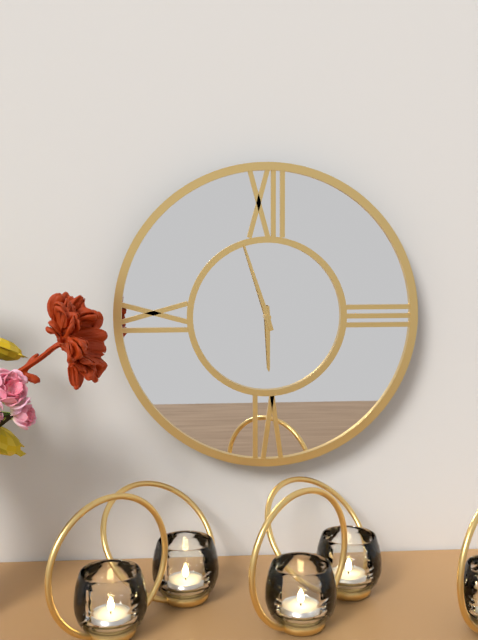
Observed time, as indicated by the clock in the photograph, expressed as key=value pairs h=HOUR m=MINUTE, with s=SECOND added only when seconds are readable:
h=5 m=57
